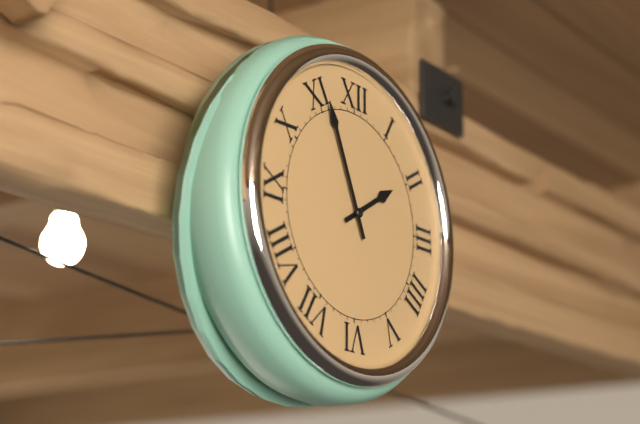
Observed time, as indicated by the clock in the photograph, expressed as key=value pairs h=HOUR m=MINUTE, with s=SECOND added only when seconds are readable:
h=1 m=56
